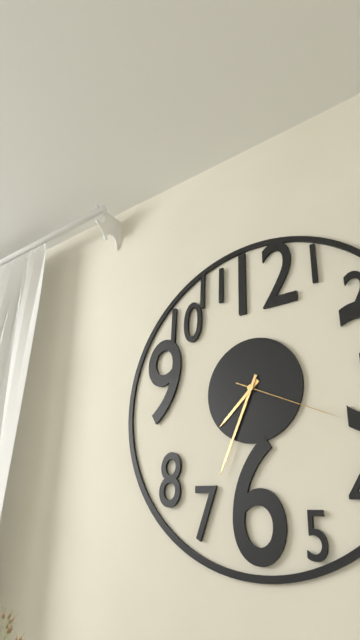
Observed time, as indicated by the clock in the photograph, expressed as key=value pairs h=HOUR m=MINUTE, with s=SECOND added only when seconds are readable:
h=7 m=34 s=19
